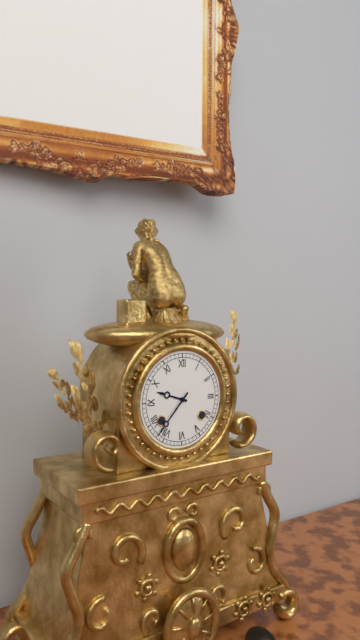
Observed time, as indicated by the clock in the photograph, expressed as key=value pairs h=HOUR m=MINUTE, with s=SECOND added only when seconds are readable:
h=9 m=37
